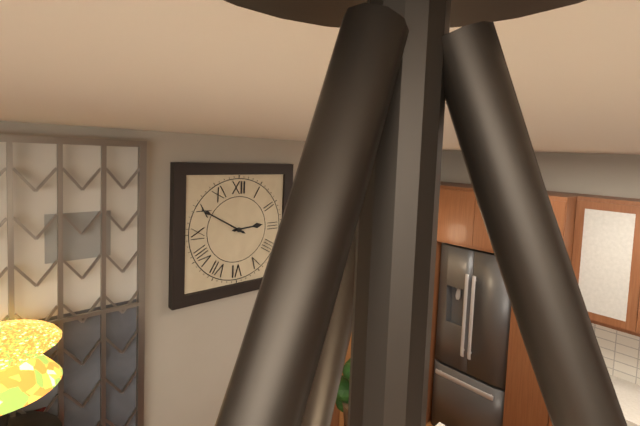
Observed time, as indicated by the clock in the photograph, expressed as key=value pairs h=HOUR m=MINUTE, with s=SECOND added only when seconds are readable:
h=2 m=50
